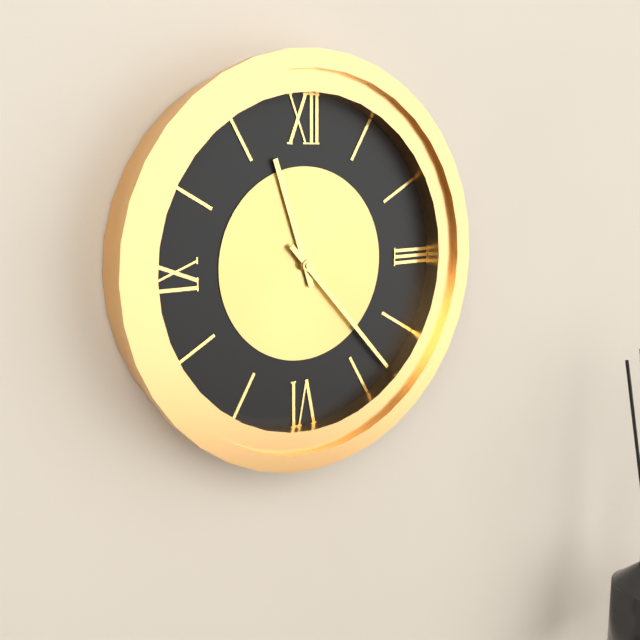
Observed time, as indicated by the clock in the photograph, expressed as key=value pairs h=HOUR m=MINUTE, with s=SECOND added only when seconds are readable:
h=11 m=23
